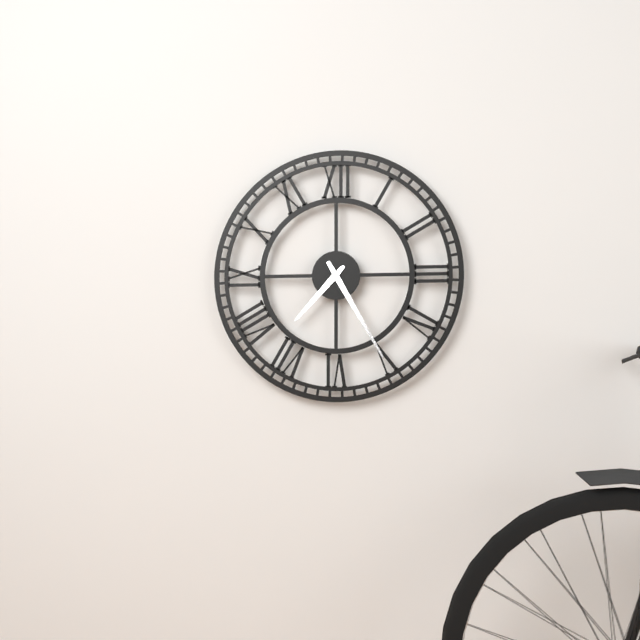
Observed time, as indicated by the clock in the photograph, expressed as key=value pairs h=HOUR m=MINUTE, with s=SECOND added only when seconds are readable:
h=7 m=25
